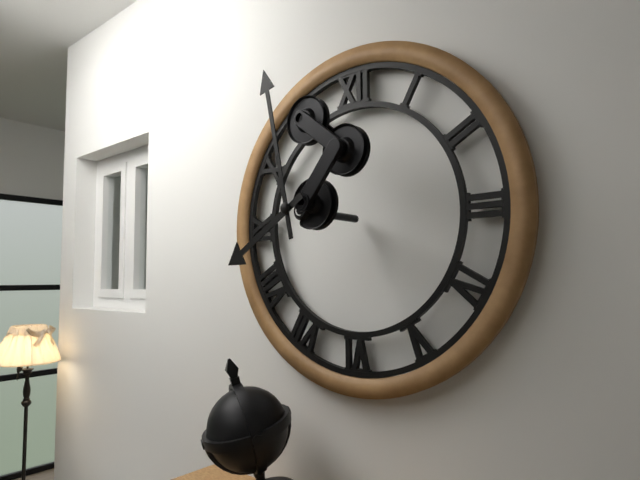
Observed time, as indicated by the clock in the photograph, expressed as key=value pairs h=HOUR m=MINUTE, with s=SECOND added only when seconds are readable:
h=7 m=58
